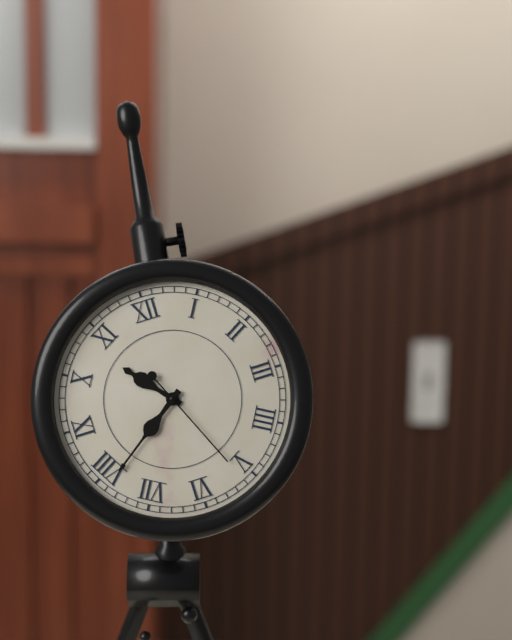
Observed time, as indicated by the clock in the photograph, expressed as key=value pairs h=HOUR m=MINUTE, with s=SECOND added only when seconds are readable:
h=10 m=39 s=26
